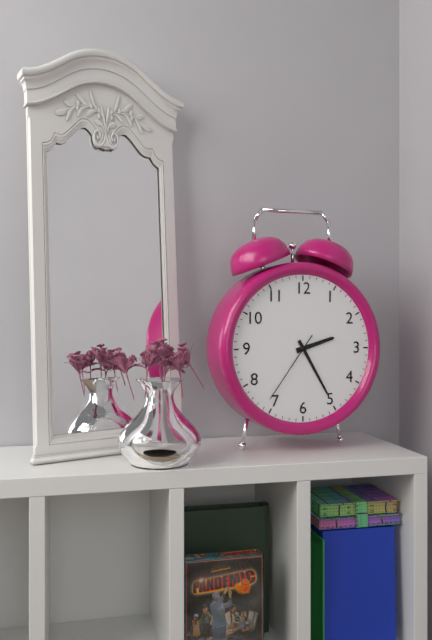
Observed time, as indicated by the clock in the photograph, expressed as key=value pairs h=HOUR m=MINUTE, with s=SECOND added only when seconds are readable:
h=2 m=25 s=36
